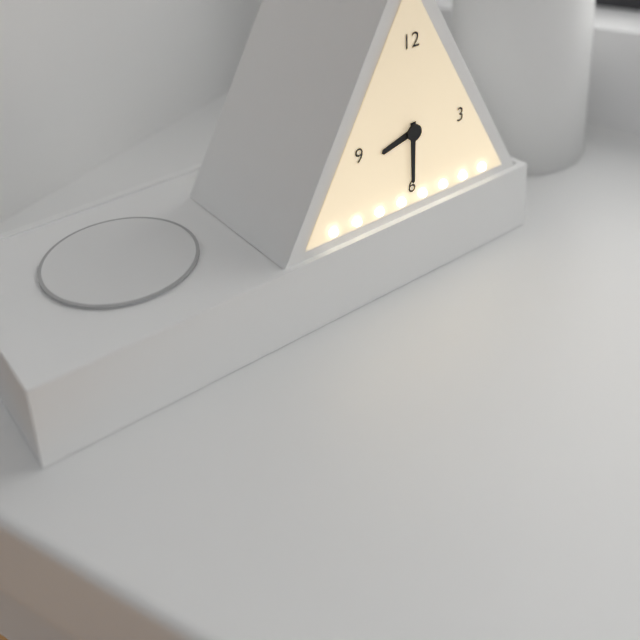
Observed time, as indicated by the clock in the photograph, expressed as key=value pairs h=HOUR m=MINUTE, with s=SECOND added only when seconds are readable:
h=8 m=30
